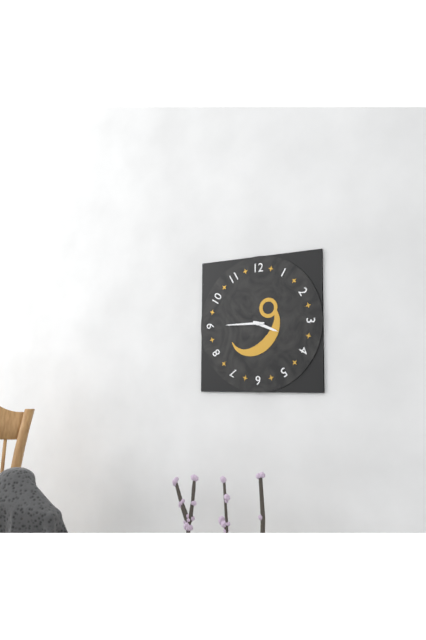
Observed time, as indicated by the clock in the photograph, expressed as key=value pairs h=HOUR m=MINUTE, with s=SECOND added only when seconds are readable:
h=3 m=45
